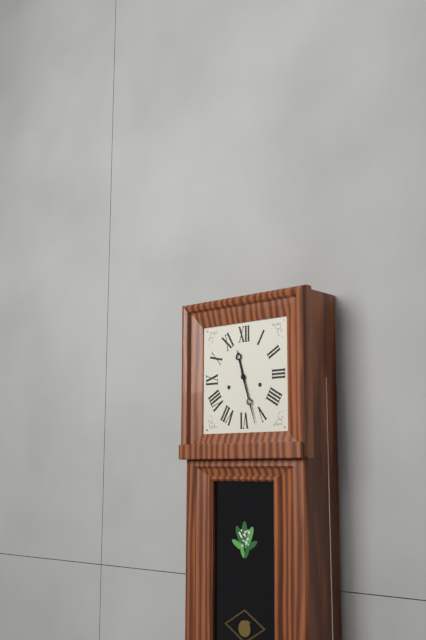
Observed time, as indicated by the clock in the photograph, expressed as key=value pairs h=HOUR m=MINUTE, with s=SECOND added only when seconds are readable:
h=11 m=27
